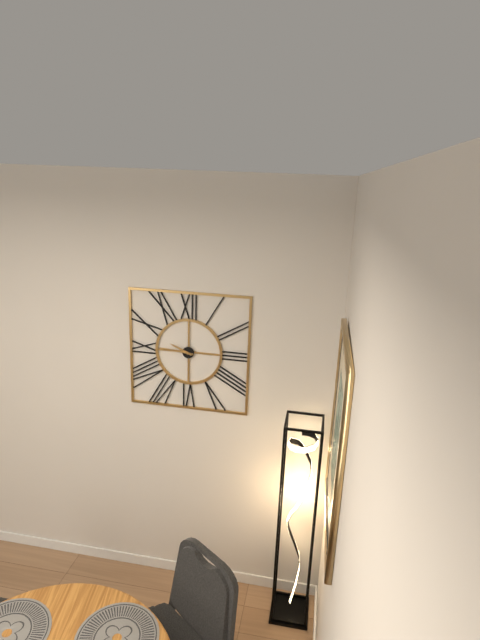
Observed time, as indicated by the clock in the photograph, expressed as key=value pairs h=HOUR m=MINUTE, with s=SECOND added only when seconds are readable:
h=9 m=46
